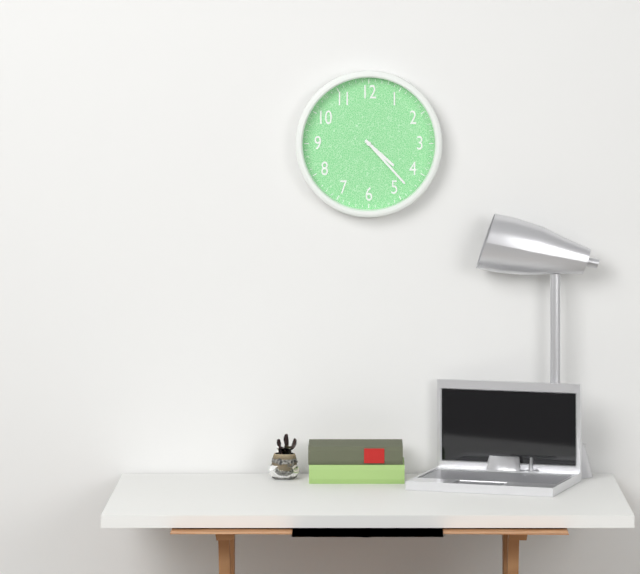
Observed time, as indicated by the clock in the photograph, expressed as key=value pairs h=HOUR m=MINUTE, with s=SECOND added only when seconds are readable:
h=4 m=23
